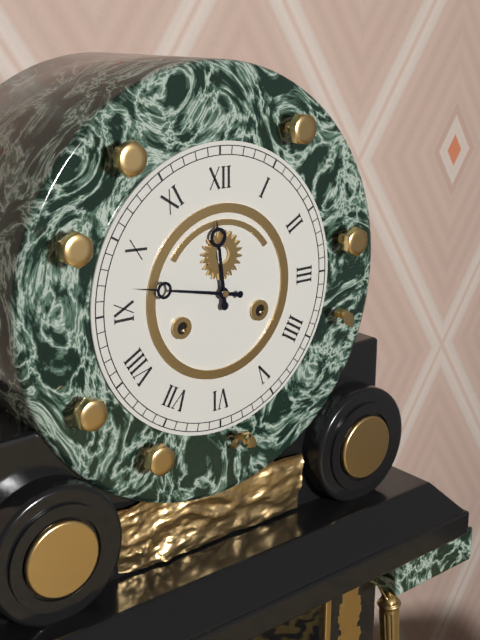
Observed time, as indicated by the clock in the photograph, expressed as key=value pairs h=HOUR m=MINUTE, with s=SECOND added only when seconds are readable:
h=11 m=47
